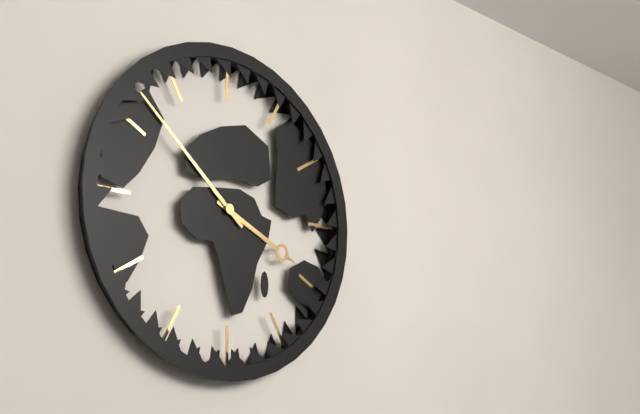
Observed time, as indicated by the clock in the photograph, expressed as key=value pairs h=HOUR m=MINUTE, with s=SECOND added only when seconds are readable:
h=3 m=52
